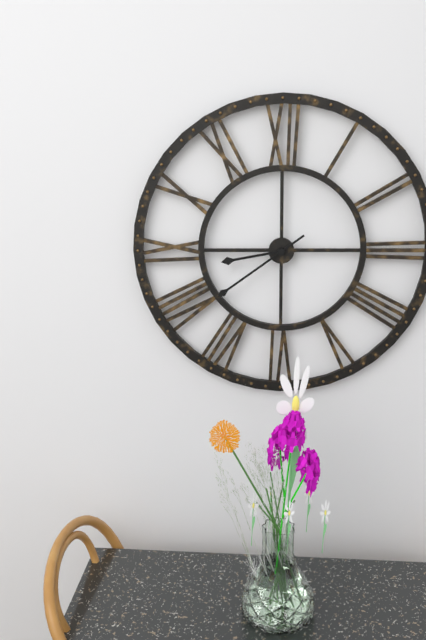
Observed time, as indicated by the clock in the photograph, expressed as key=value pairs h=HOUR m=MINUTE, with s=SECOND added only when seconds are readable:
h=8 m=39
